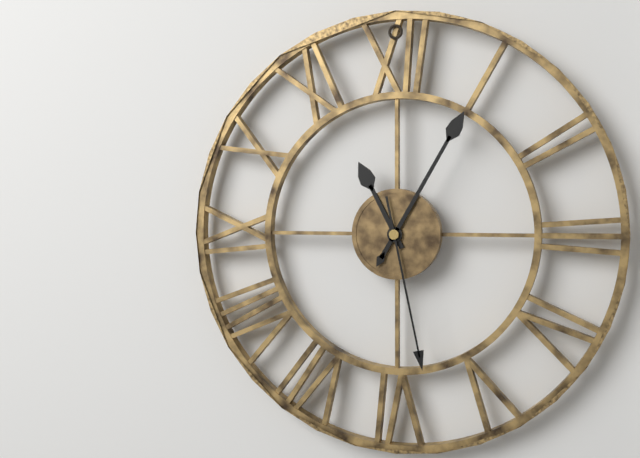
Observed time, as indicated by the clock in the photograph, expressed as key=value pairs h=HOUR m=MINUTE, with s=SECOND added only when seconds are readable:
h=11 m=5 s=28
